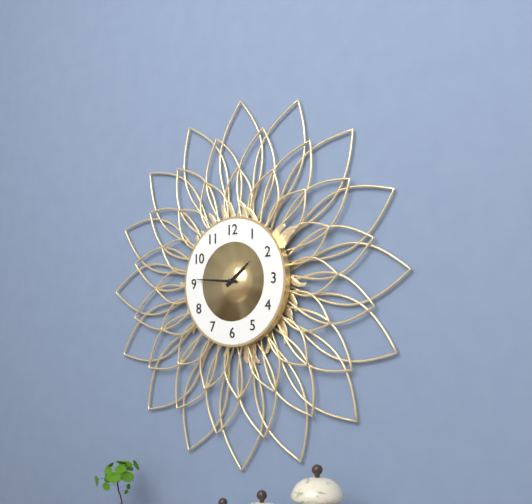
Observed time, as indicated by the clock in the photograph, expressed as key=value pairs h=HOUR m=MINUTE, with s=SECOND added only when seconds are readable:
h=1 m=46
